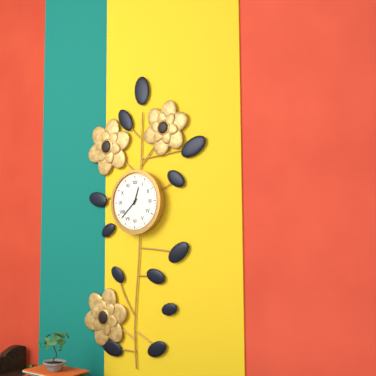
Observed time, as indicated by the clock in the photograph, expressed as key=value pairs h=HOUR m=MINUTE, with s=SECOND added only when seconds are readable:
h=12 m=38
